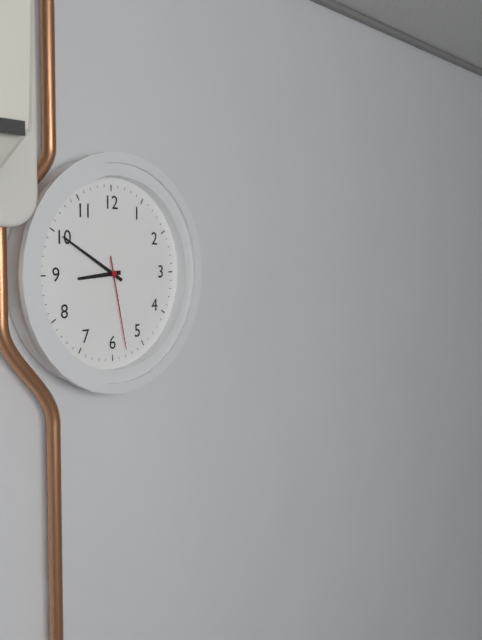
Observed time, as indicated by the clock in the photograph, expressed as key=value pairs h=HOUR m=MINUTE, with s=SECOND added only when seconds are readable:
h=8 m=50 s=28
